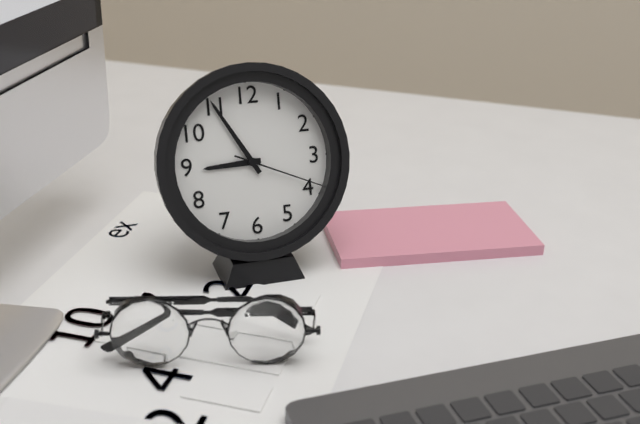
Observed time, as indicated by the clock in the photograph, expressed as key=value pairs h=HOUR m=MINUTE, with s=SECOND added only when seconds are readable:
h=8 m=55 s=19
